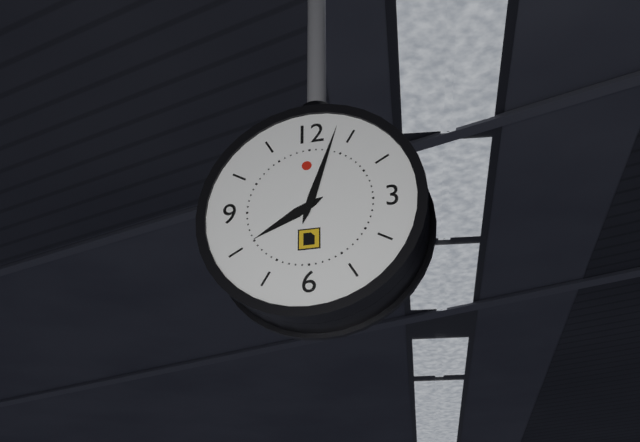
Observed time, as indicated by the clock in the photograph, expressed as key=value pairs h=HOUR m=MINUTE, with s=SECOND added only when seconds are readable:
h=8 m=3
